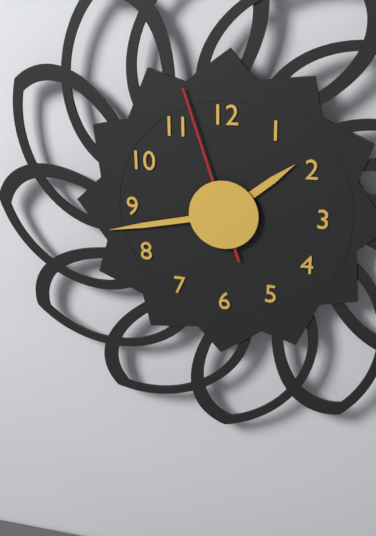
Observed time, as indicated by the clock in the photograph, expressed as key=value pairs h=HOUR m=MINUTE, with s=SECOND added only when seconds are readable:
h=1 m=43 s=57
